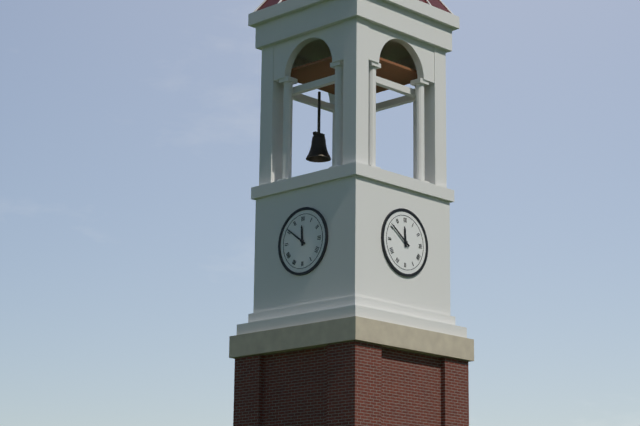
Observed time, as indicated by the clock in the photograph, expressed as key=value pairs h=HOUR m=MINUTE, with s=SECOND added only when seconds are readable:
h=11 m=51
